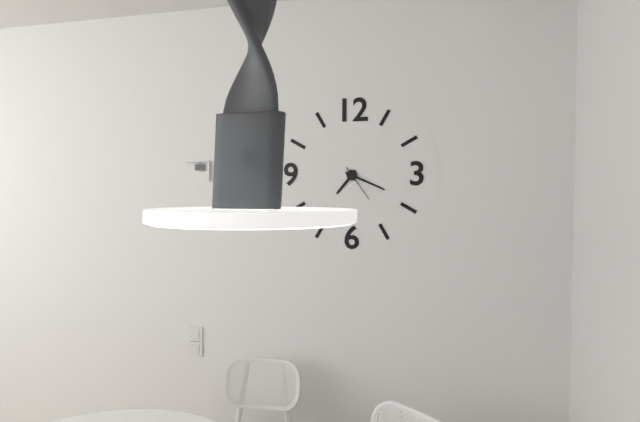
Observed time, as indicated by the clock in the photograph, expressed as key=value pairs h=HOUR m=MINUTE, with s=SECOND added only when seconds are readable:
h=7 m=19
